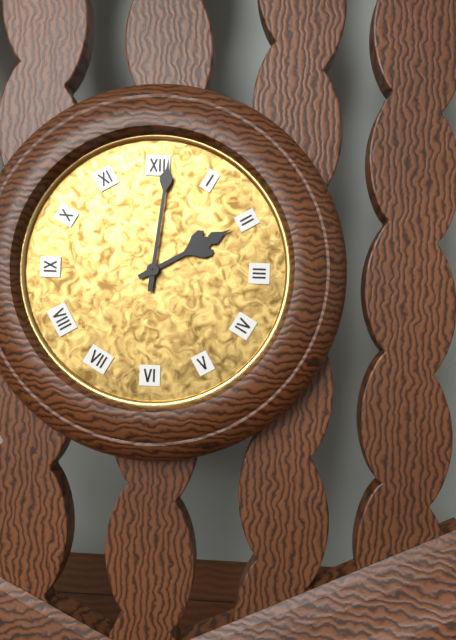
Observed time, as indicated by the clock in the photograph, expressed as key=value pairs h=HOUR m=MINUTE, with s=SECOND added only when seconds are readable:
h=2 m=1
